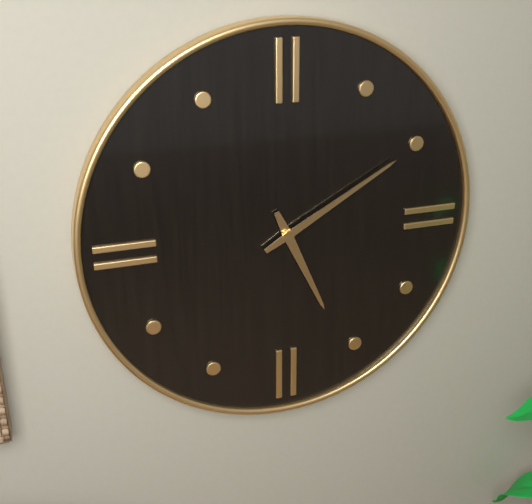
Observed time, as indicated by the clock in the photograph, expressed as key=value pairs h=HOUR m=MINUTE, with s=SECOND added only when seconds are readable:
h=5 m=10
